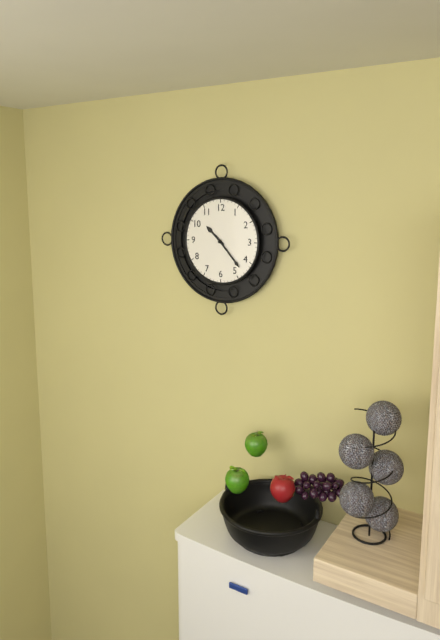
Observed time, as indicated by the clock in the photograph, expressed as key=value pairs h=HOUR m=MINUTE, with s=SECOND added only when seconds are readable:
h=10 m=23
